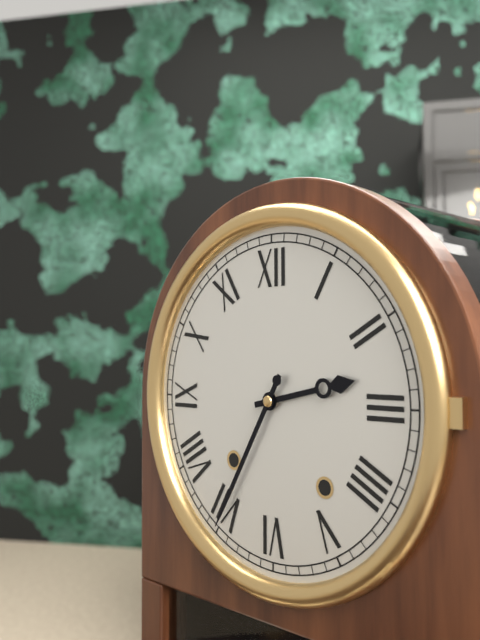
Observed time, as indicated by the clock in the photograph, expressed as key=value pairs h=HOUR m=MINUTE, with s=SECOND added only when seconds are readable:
h=2 m=35
